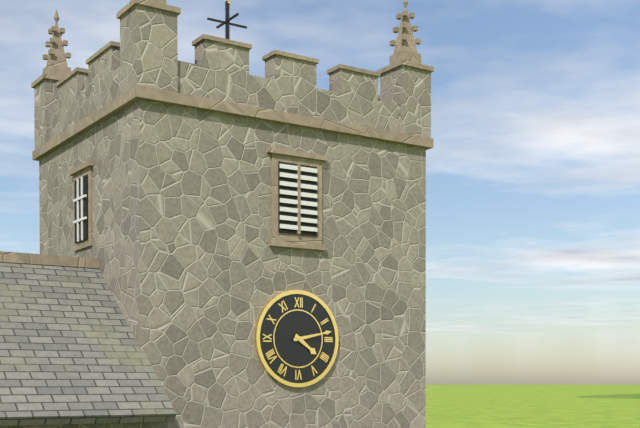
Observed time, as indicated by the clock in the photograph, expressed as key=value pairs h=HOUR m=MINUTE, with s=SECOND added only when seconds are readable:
h=4 m=13
